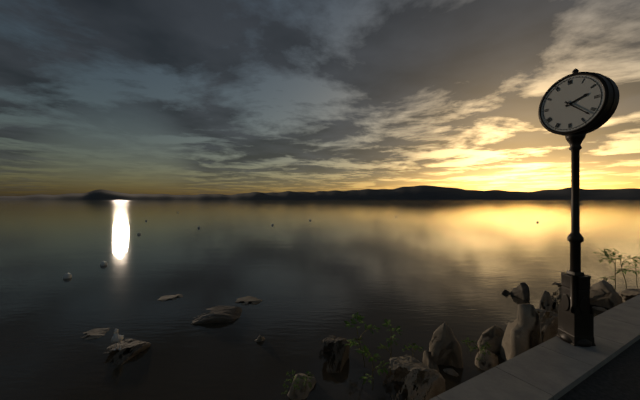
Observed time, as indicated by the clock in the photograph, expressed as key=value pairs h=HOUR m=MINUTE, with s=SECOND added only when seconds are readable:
h=2 m=22
